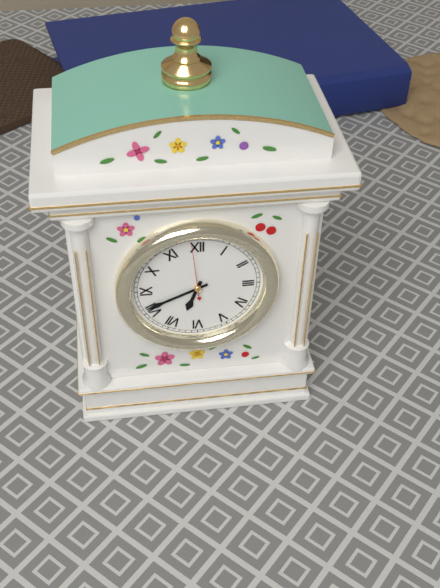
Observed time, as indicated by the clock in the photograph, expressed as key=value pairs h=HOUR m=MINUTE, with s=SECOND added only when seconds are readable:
h=6 m=41 s=59
